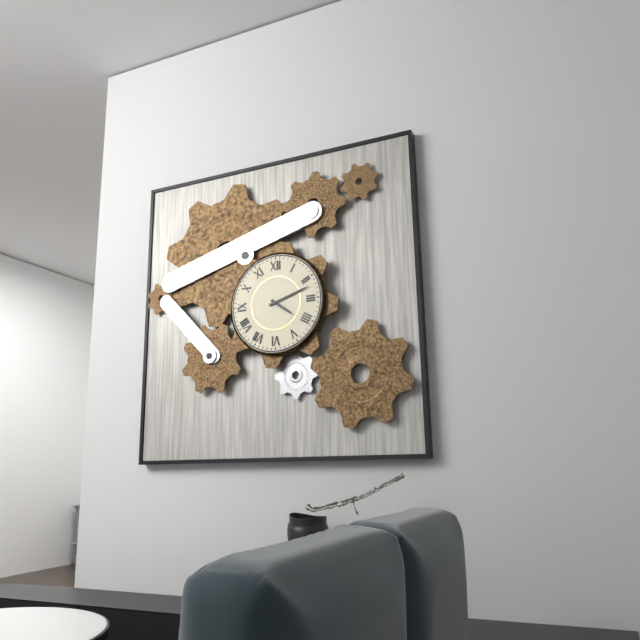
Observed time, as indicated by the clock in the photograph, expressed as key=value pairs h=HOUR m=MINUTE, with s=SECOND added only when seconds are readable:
h=4 m=12
